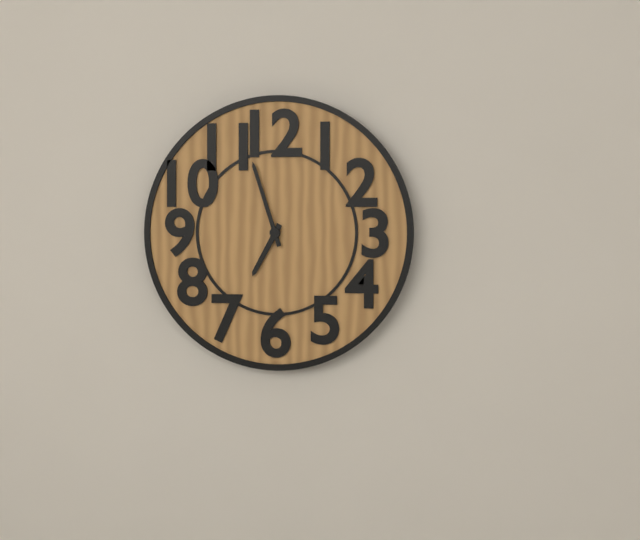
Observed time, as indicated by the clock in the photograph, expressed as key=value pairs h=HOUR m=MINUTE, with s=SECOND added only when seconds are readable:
h=6 m=57
